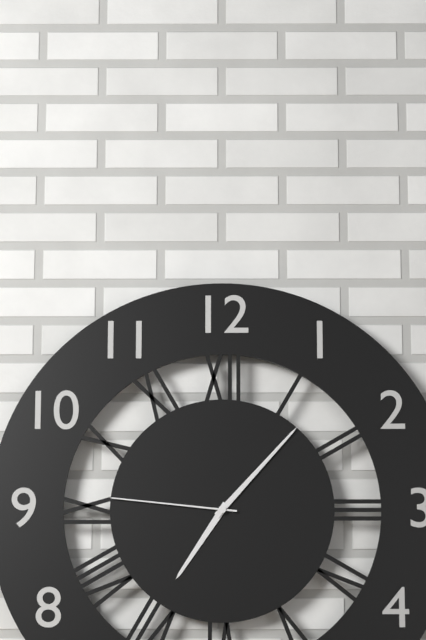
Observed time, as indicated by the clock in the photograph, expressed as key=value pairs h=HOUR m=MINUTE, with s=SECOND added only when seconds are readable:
h=7 m=7 s=46
